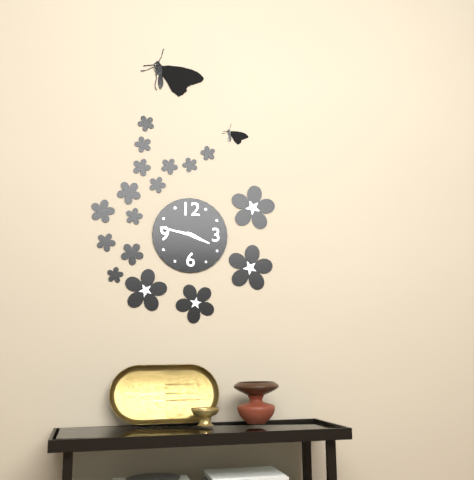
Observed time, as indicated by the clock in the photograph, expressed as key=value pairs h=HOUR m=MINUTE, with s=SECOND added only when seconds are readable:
h=3 m=47
